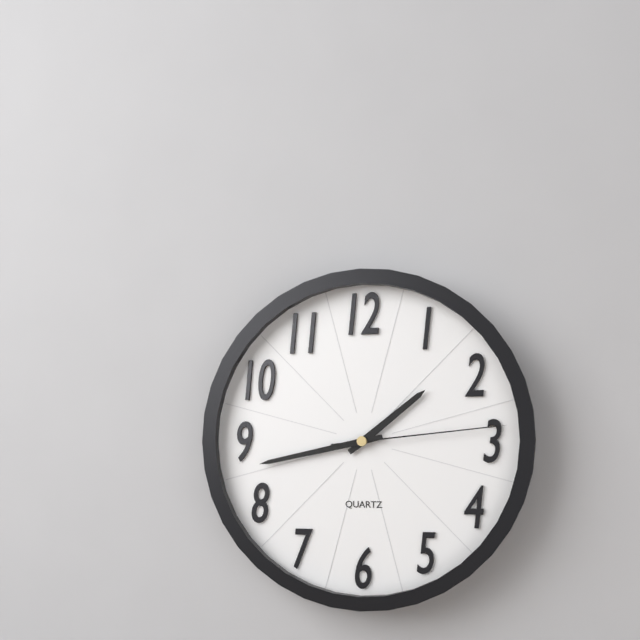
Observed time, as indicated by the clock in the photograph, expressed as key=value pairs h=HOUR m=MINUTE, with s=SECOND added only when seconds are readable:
h=1 m=43 s=14
